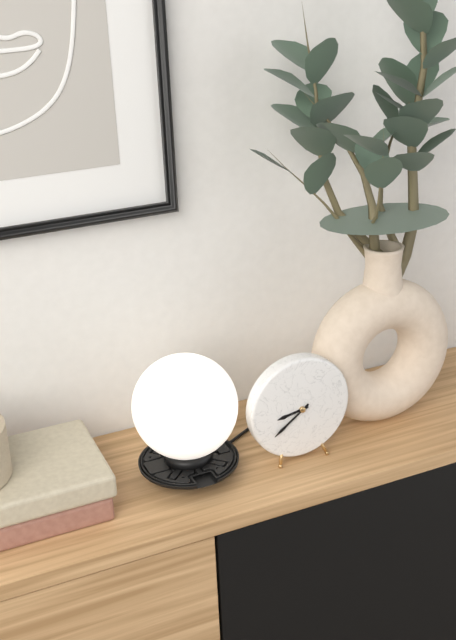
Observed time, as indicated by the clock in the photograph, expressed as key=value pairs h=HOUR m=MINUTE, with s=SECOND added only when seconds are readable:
h=8 m=39
